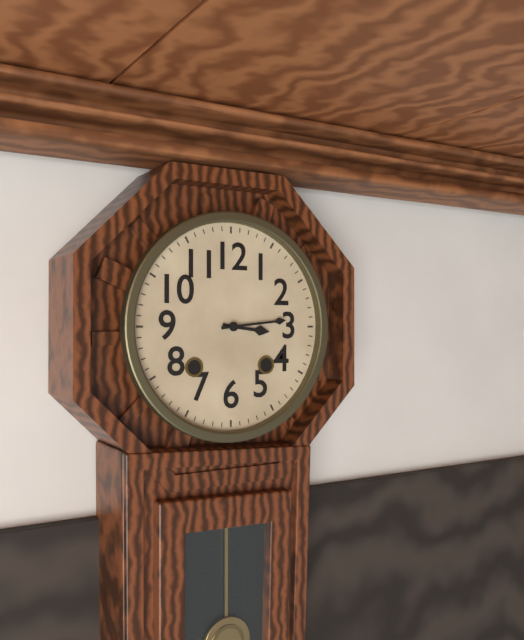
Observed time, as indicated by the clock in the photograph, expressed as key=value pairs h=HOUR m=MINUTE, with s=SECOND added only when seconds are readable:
h=3 m=14
